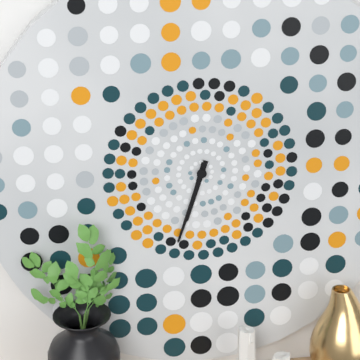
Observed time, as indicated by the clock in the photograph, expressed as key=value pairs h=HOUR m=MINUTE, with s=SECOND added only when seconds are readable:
h=6 m=33
